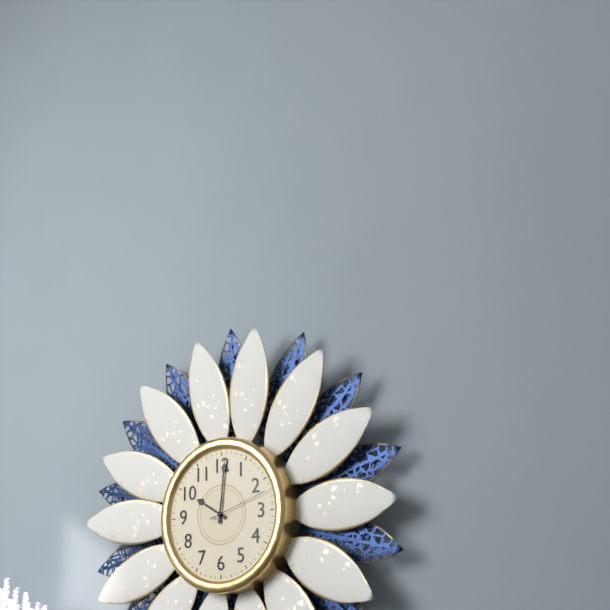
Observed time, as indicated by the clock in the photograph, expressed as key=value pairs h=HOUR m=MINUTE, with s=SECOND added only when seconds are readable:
h=10 m=1 s=12
